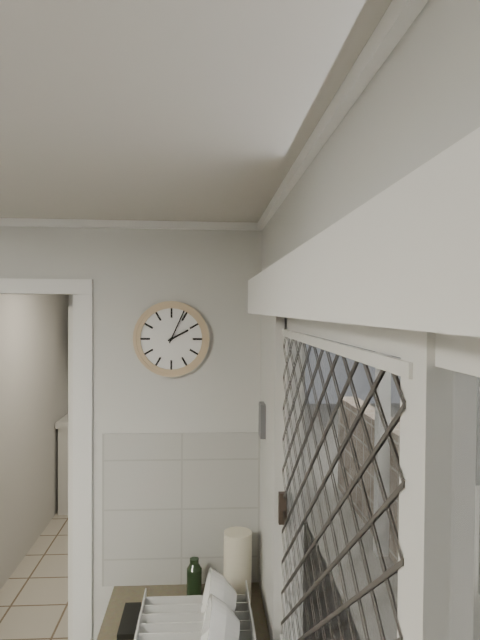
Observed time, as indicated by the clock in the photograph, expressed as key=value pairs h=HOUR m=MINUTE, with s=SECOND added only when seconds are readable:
h=2 m=4
